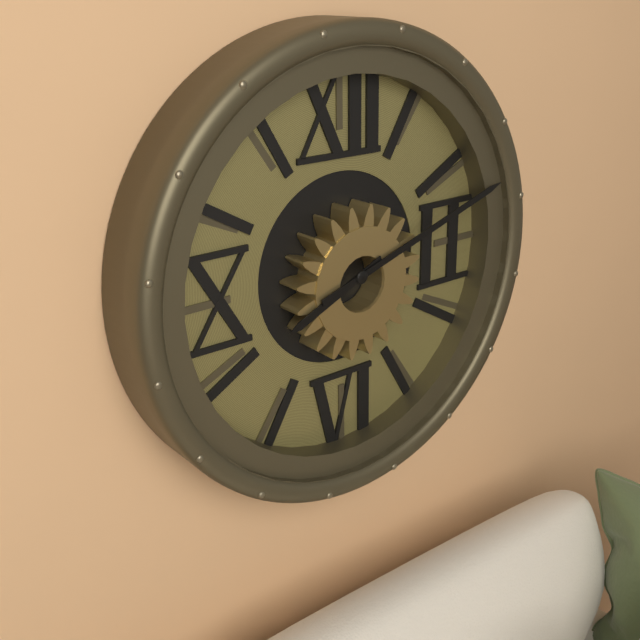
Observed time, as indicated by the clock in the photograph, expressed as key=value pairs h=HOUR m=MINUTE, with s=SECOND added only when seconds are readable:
h=8 m=12
